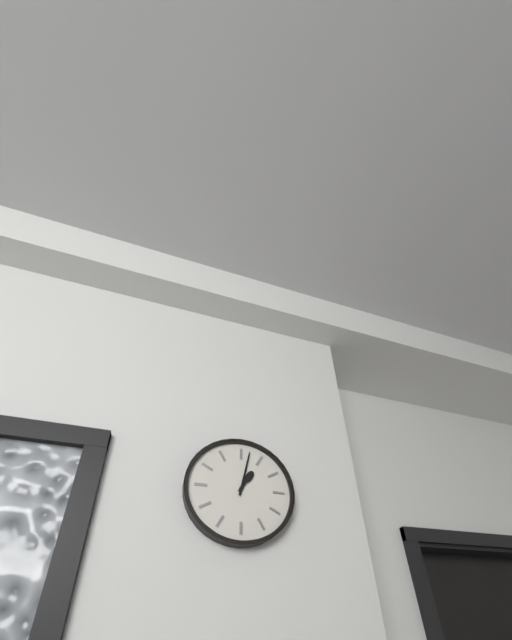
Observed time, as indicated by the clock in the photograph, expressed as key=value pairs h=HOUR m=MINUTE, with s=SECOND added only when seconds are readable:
h=1 m=2
